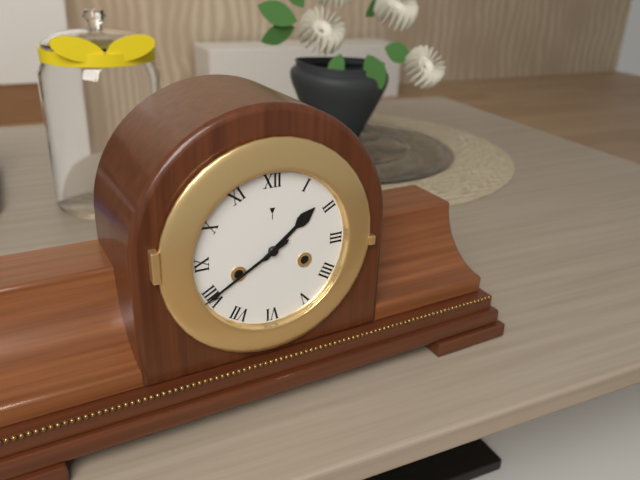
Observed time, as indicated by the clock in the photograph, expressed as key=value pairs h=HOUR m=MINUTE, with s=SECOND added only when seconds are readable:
h=1 m=40
